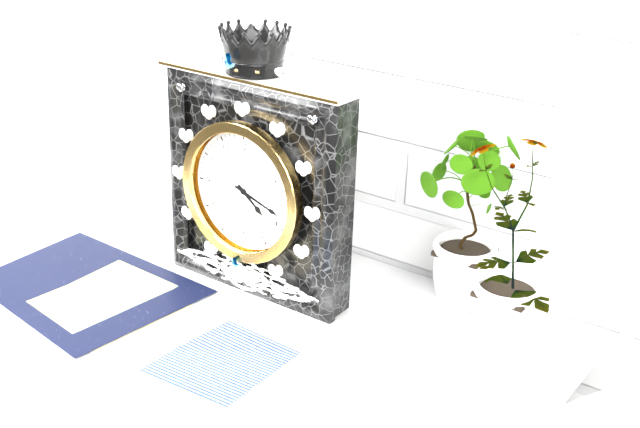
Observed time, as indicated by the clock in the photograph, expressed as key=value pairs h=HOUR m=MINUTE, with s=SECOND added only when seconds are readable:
h=4 m=18
